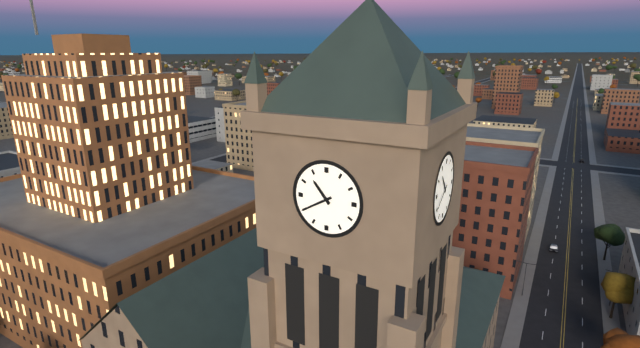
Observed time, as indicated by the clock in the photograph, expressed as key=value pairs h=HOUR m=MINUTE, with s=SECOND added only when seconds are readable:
h=10 m=40
